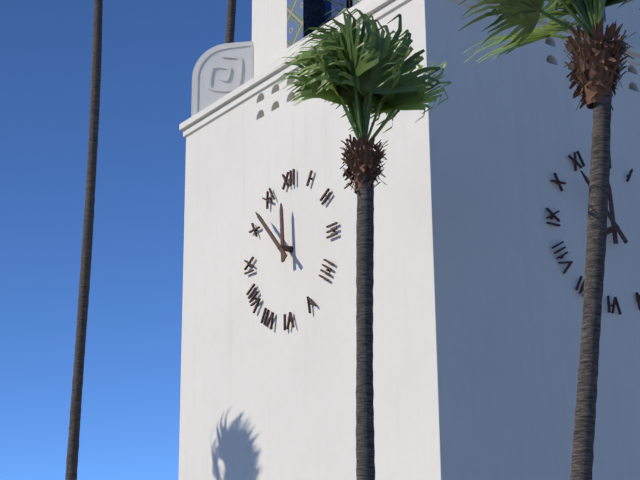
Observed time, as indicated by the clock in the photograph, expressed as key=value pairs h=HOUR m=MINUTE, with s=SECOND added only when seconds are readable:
h=11 m=53
